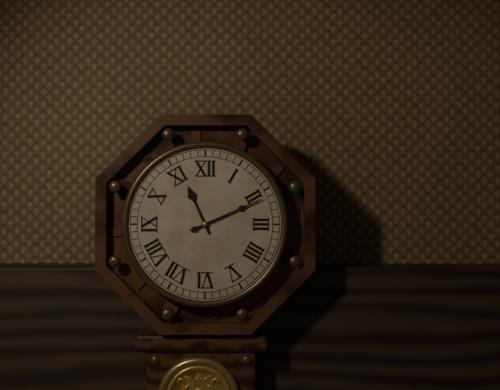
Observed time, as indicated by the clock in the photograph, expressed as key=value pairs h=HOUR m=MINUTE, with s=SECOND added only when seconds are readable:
h=11 m=11
